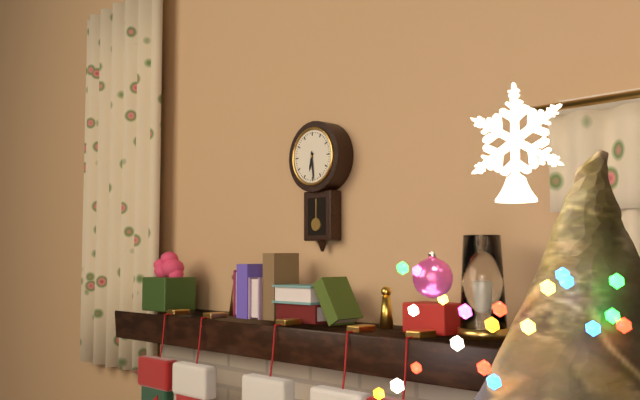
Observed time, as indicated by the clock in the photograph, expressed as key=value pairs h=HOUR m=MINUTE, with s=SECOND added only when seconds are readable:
h=6 m=29
